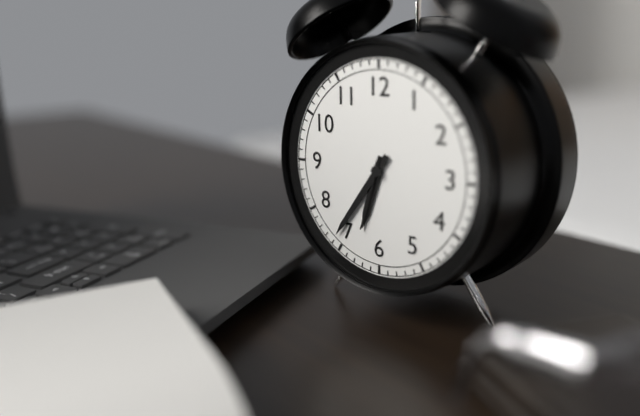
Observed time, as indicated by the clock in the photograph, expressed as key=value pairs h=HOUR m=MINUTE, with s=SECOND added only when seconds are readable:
h=6 m=36 s=33
